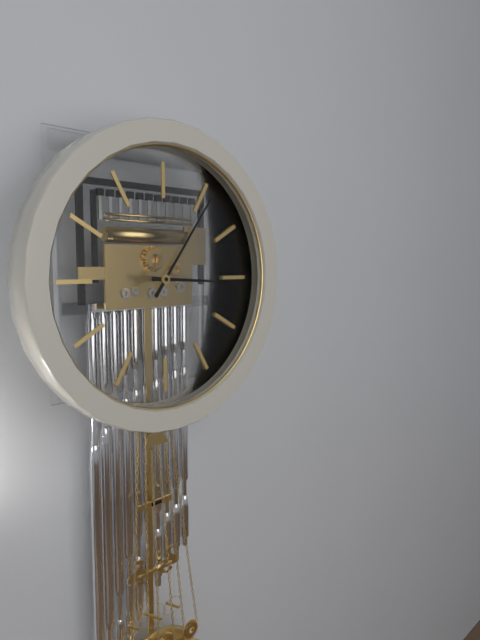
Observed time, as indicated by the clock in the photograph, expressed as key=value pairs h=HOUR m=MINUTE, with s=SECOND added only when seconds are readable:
h=3 m=6
